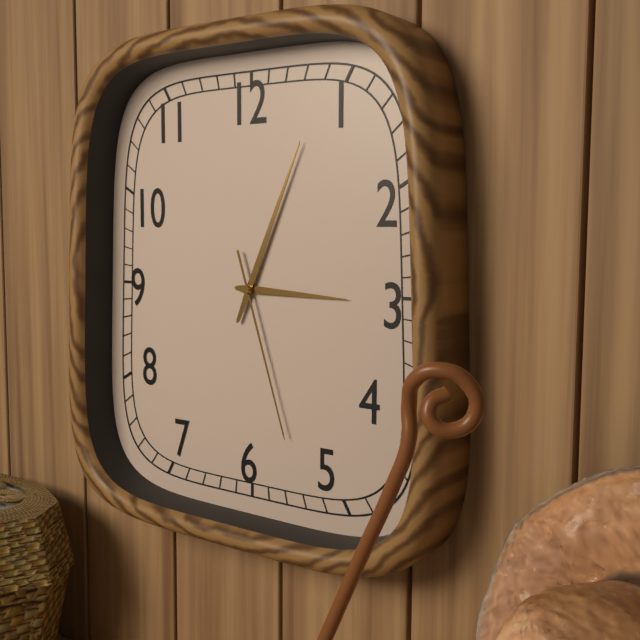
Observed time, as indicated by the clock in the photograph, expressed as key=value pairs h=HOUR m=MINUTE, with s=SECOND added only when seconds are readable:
h=3 m=4 s=27
